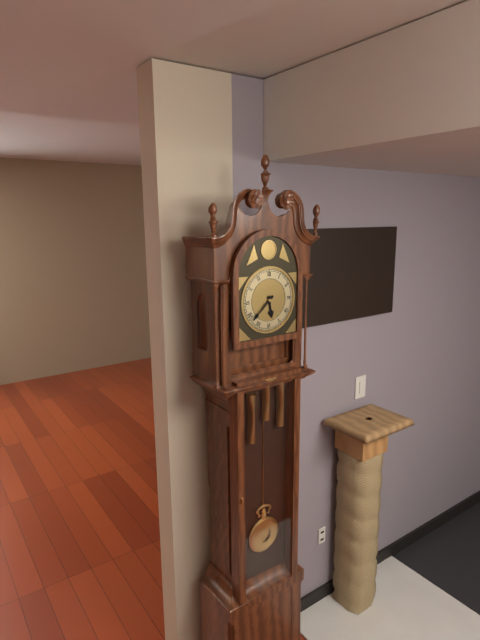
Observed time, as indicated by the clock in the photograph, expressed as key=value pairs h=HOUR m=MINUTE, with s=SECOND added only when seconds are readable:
h=5 m=38
